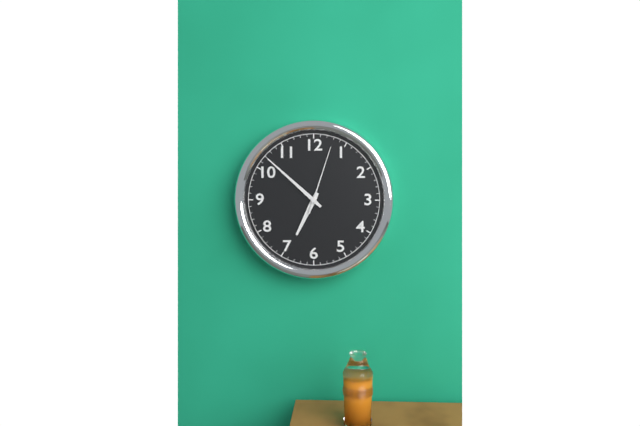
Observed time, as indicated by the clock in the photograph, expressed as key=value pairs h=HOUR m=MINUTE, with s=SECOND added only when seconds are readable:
h=6 m=52 s=3
